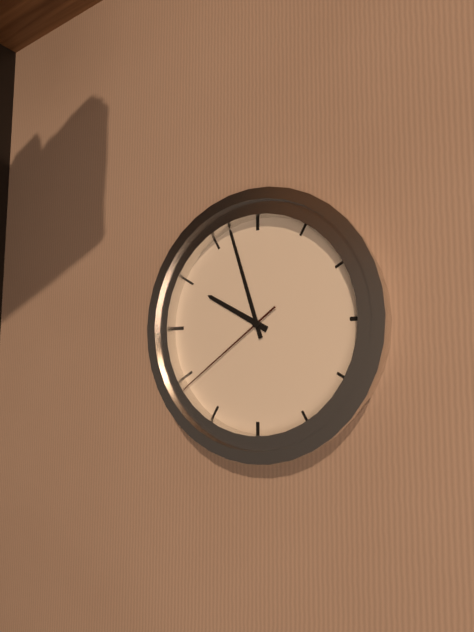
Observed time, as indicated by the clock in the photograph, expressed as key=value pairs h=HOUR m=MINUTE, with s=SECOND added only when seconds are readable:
h=9 m=57 s=39
